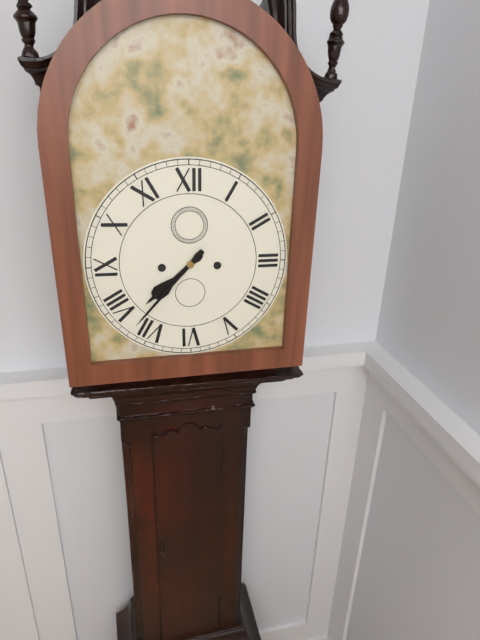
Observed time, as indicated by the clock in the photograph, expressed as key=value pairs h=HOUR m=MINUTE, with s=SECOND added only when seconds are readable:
h=7 m=37
